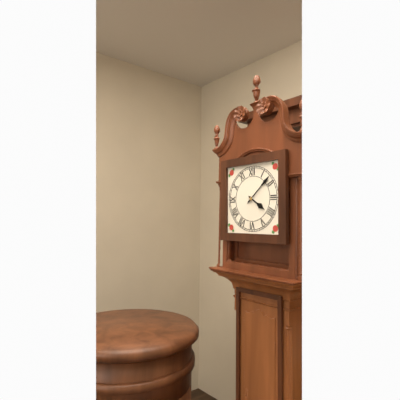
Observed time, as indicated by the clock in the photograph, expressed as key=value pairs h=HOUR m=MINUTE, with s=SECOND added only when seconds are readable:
h=4 m=8
